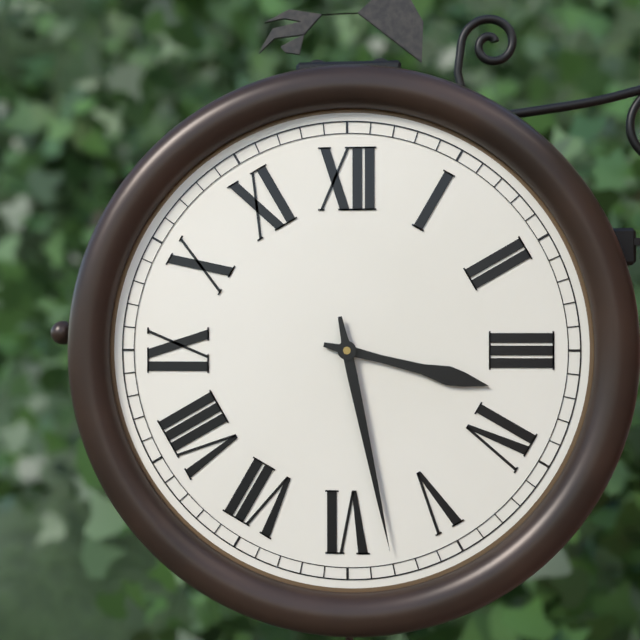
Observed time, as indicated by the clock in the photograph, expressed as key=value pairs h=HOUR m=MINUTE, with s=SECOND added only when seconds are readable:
h=3 m=28
